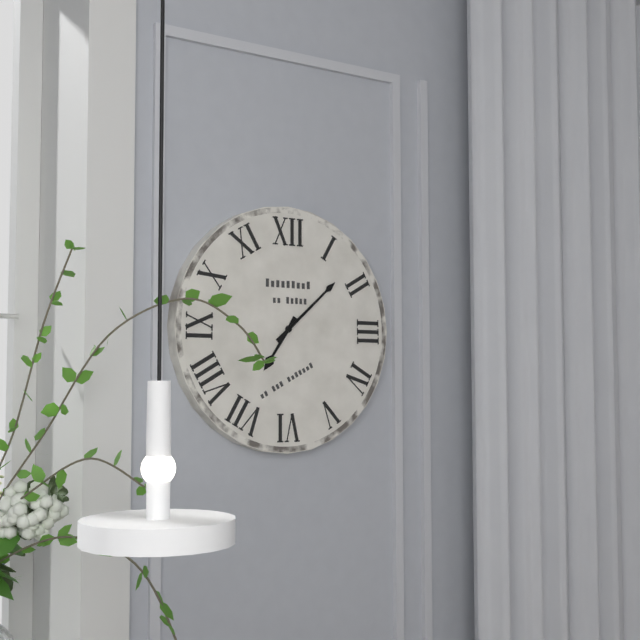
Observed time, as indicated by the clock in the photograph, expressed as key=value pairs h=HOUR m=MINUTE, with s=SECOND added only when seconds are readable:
h=7 m=8
